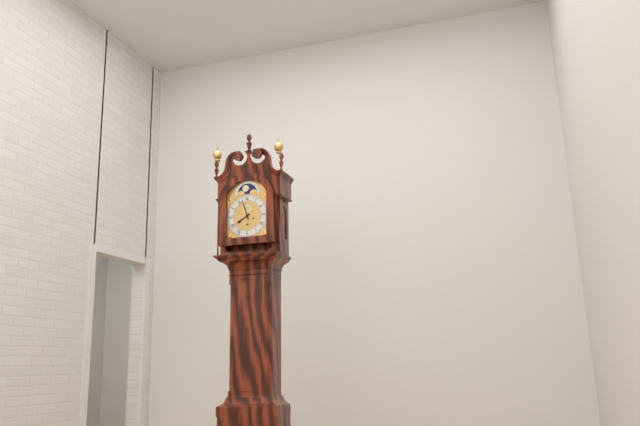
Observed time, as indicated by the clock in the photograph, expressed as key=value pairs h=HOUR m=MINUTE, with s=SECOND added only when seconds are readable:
h=7 m=57
